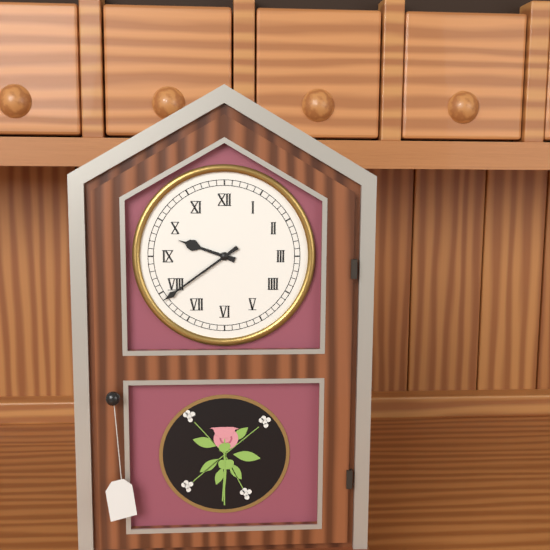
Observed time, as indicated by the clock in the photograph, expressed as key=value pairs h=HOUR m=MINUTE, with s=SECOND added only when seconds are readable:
h=9 m=39
